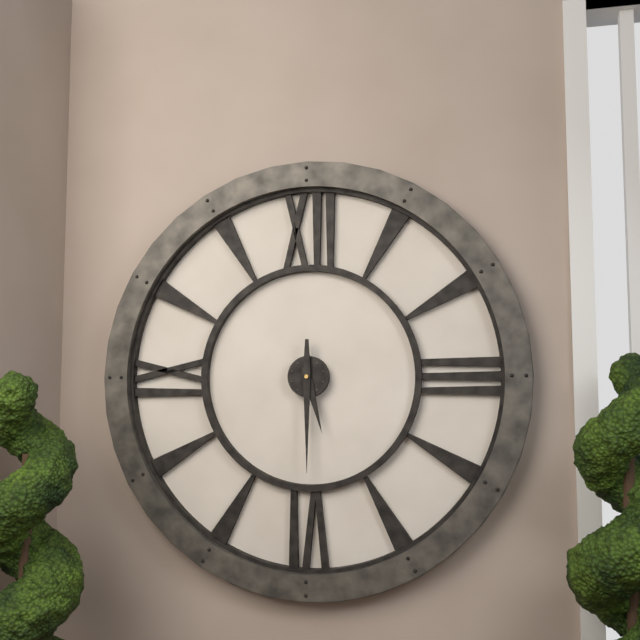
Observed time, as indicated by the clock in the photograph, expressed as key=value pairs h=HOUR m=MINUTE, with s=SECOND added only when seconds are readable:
h=5 m=30
